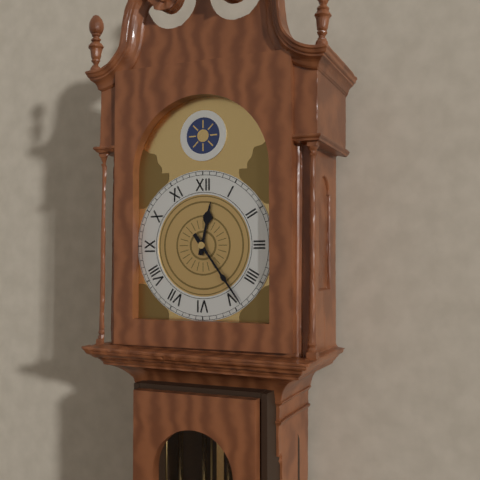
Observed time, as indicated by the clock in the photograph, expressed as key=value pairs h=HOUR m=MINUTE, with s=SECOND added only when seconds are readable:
h=12 m=24
